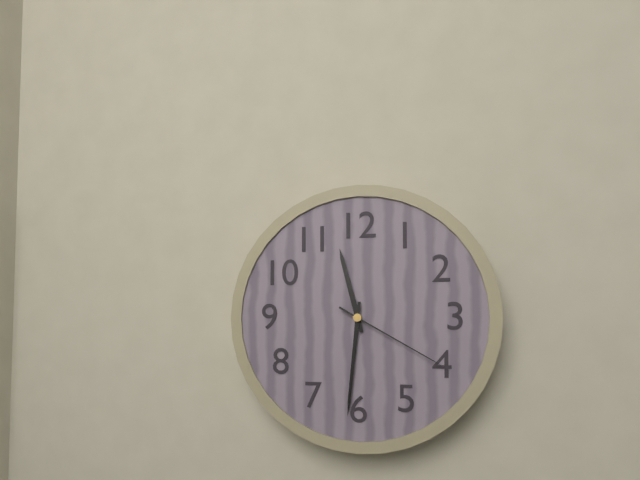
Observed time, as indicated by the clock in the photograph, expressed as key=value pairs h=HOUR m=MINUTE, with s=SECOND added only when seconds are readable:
h=11 m=31 s=20
